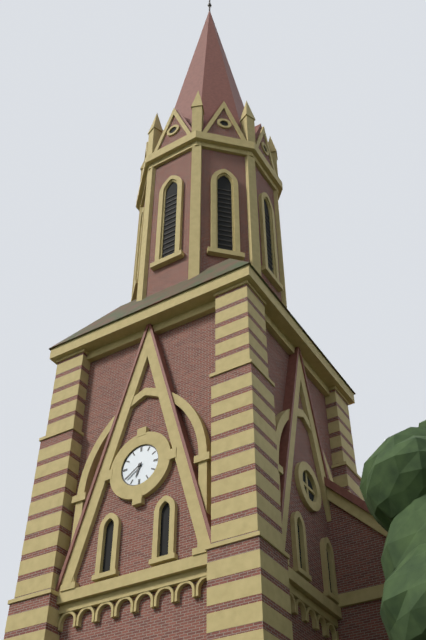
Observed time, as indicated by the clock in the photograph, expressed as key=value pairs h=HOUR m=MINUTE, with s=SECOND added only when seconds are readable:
h=6 m=39
